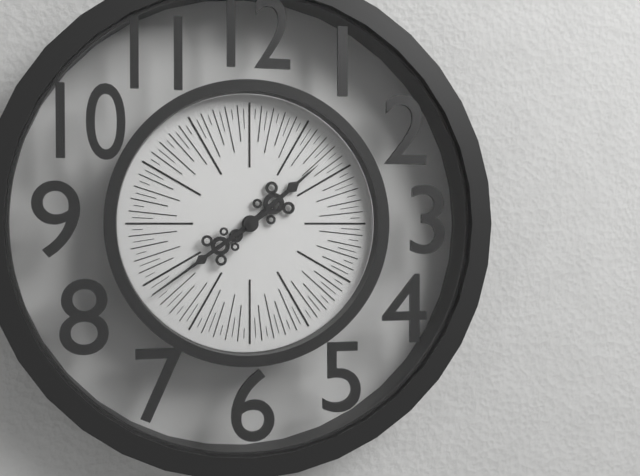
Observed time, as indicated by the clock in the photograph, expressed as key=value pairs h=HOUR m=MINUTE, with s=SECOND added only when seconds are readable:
h=1 m=39
